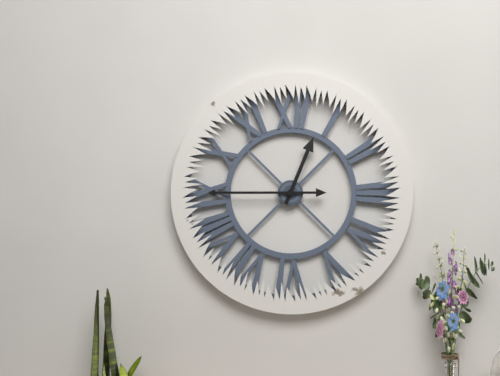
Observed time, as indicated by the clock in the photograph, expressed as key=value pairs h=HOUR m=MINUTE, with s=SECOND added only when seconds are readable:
h=12 m=45
